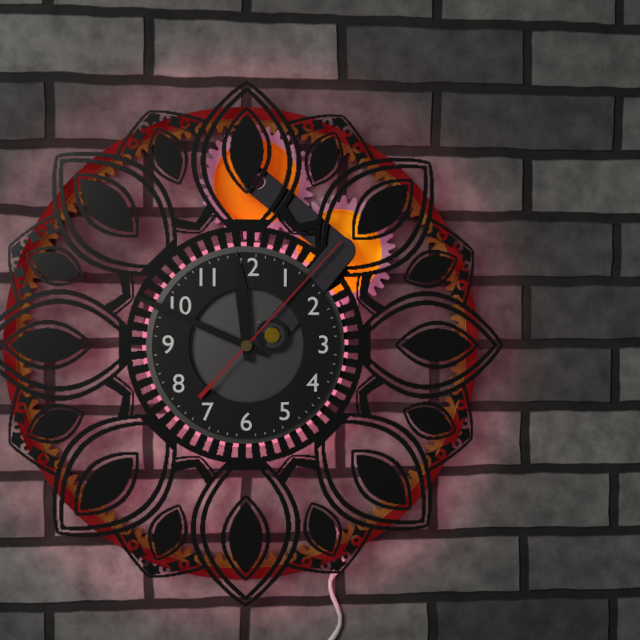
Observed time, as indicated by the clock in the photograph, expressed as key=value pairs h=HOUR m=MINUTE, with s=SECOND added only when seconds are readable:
h=11 m=49 s=7
